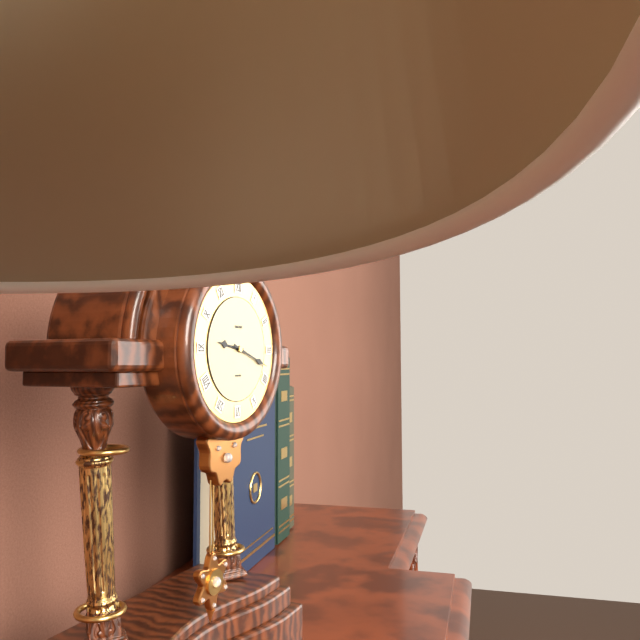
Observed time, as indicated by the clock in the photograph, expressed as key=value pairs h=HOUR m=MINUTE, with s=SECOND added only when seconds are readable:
h=9 m=18
